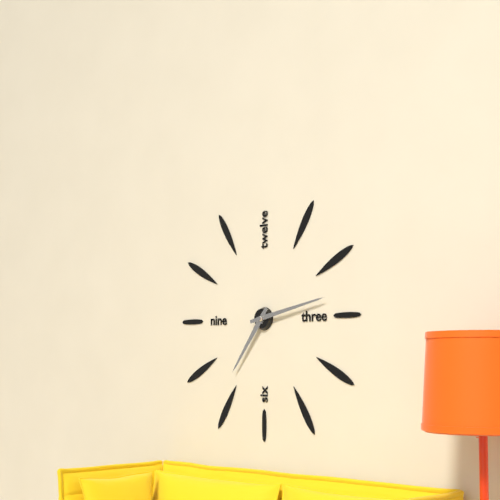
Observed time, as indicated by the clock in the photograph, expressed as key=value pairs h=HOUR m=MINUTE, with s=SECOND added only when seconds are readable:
h=7 m=13
